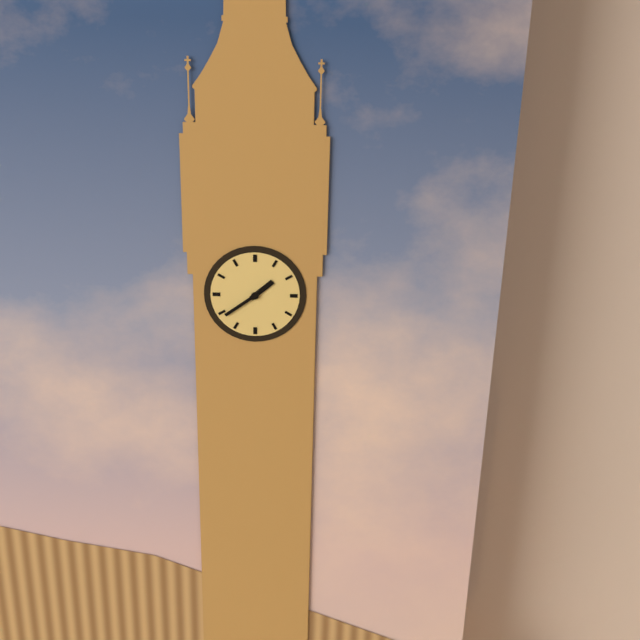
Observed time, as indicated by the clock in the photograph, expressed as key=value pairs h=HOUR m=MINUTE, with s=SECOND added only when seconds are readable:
h=1 m=39
